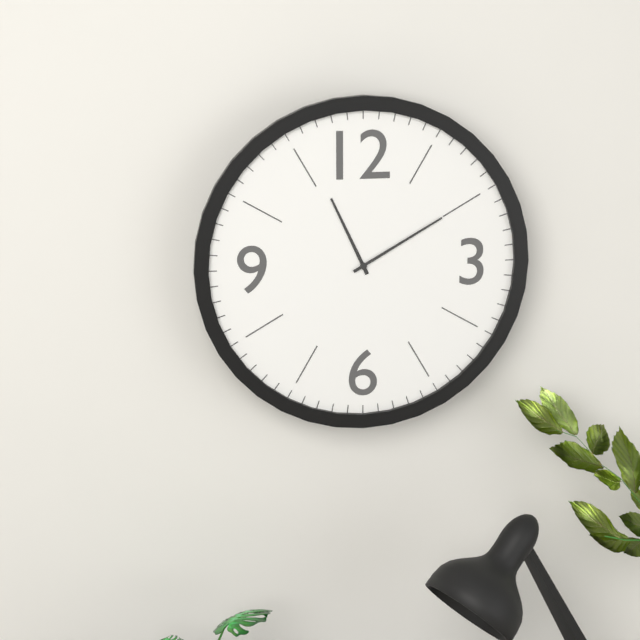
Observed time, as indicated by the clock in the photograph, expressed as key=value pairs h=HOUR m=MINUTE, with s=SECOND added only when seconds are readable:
h=11 m=10
